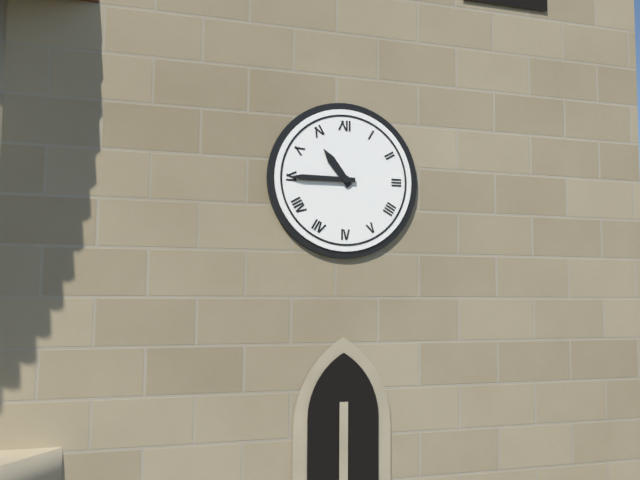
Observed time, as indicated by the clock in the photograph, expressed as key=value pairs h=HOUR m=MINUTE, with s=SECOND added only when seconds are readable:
h=10 m=45
